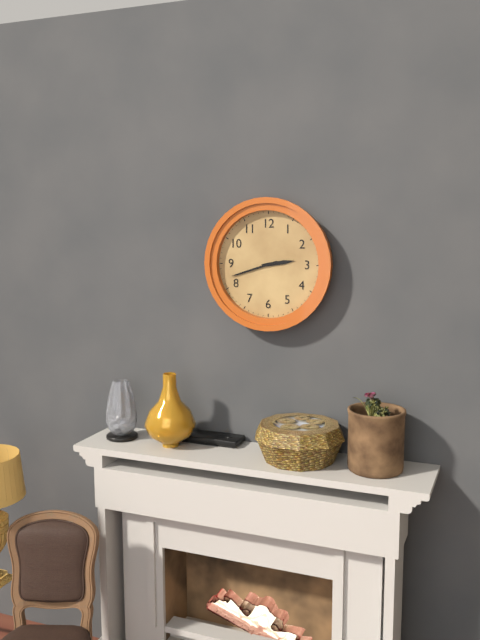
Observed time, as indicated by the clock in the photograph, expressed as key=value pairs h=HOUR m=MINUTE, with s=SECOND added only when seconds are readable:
h=2 m=42
